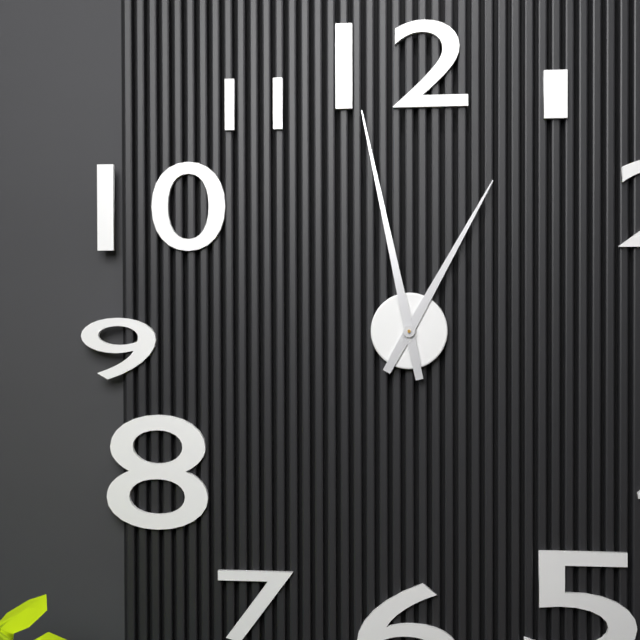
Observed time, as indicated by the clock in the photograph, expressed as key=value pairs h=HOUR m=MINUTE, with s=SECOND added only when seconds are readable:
h=12 m=58
